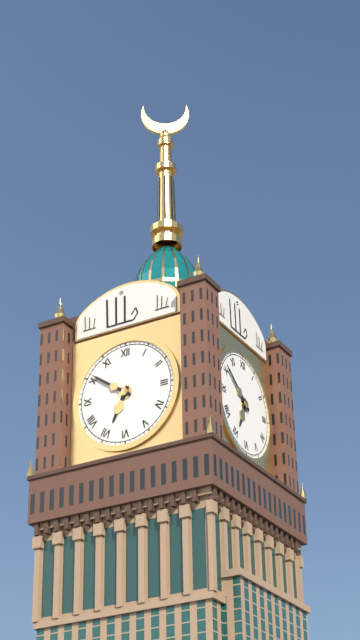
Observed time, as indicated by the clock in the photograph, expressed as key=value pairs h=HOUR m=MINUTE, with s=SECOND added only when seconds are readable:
h=6 m=51
